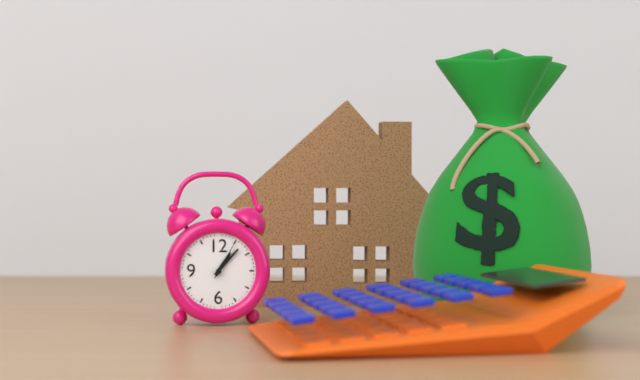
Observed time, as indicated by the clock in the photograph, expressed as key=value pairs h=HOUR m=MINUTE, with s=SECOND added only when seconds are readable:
h=1 m=7
